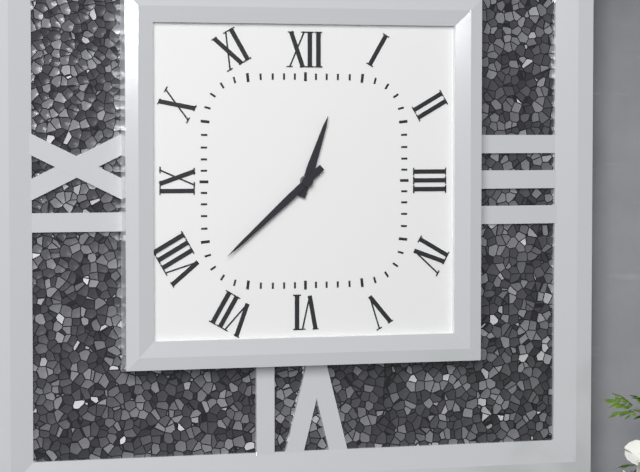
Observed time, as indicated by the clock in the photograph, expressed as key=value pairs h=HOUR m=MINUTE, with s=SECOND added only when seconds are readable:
h=12 m=38
